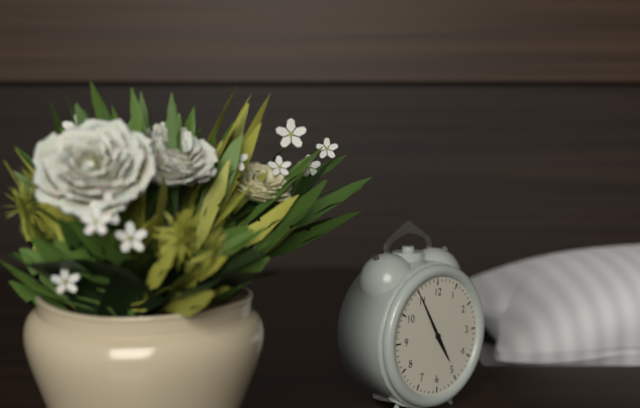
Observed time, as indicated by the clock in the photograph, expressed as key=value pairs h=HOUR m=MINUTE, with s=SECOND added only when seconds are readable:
h=4 m=55
